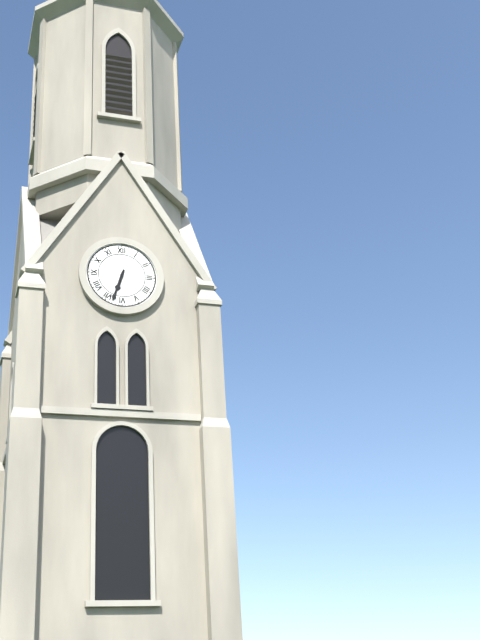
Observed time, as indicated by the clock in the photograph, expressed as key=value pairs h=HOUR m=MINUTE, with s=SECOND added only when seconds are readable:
h=6 m=33
